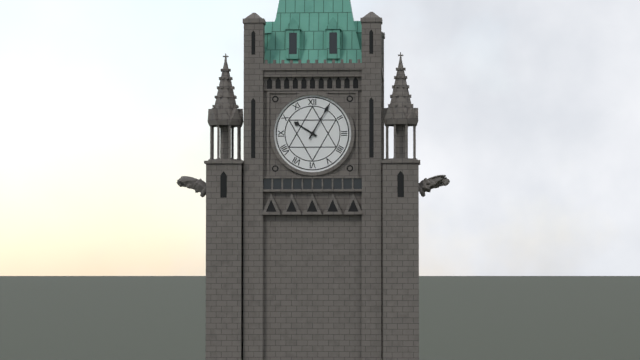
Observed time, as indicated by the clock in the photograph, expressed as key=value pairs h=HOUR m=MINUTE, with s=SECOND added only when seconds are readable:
h=10 m=5
